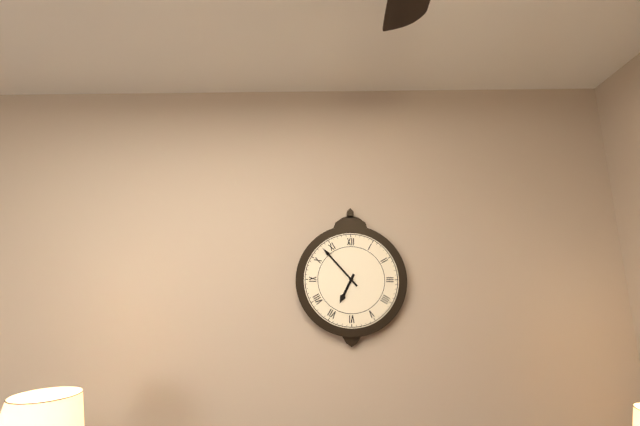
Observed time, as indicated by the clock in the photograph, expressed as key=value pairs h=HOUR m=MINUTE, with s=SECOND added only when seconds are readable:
h=6 m=53
